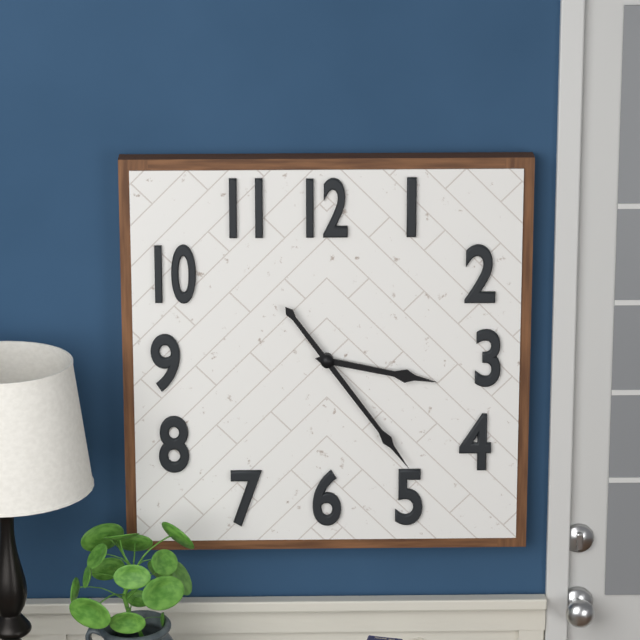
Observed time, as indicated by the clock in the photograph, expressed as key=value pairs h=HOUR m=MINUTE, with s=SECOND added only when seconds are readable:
h=3 m=24
